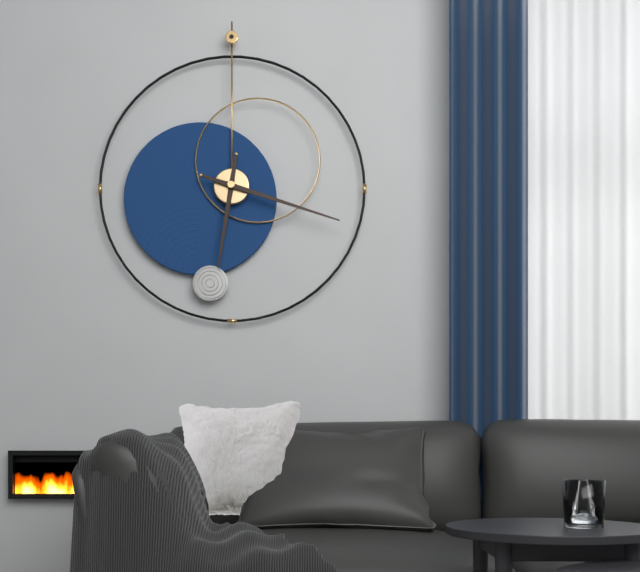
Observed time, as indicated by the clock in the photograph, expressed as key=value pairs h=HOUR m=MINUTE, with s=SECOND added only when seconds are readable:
h=6 m=18
